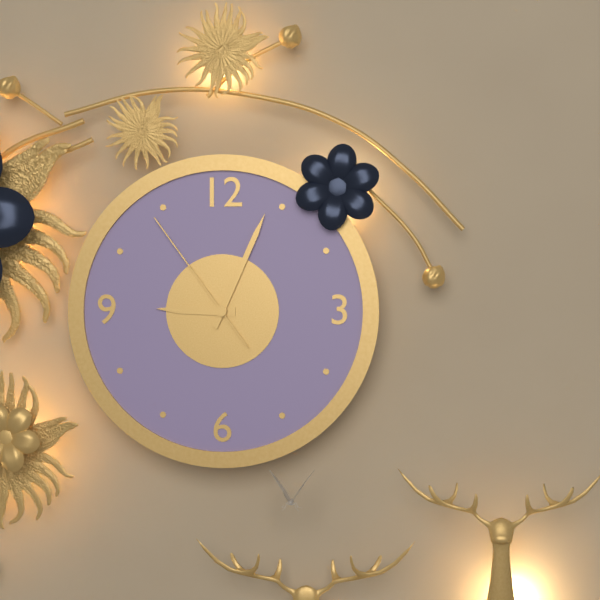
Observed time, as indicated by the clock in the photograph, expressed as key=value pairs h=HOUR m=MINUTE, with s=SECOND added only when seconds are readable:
h=9 m=4 s=54
